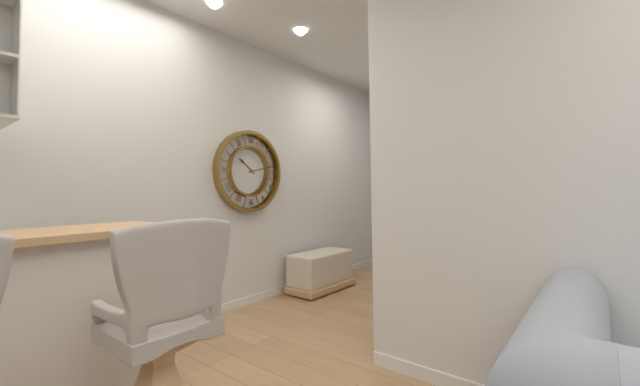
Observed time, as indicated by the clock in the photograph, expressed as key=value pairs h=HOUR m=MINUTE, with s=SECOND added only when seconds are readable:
h=10 m=13
